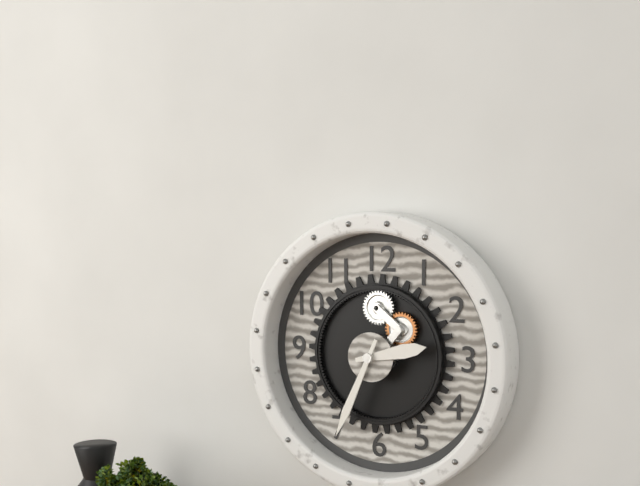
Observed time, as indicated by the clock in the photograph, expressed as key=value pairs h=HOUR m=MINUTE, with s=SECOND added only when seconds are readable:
h=2 m=34
